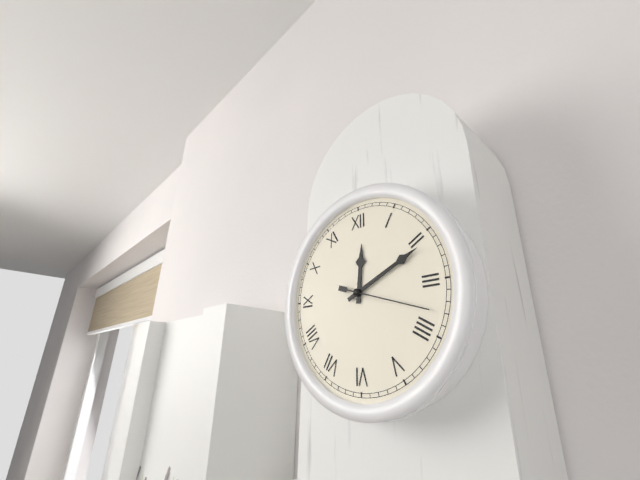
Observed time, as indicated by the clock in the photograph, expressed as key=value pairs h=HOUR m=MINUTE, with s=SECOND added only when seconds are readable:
h=12 m=11 s=18
